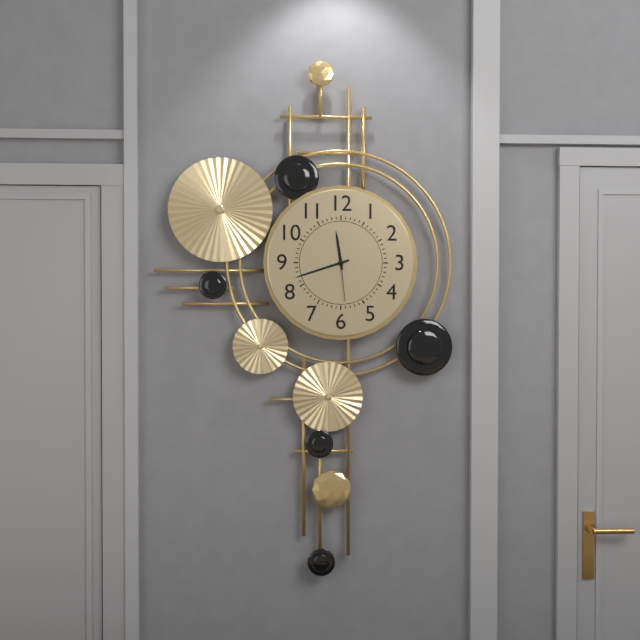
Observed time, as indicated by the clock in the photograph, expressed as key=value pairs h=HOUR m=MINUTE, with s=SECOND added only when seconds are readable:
h=11 m=42
